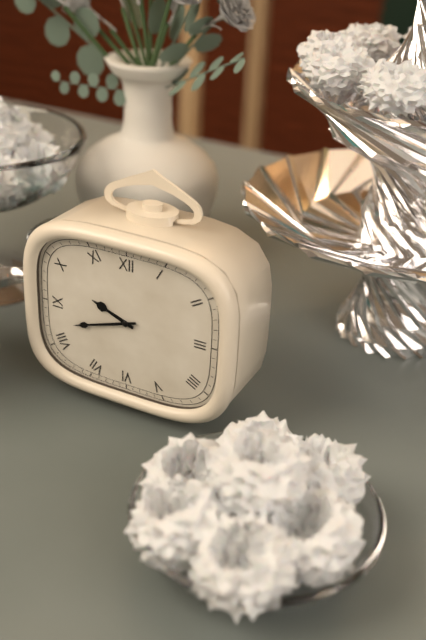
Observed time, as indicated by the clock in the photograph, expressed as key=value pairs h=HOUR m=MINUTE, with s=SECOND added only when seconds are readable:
h=9 m=42
